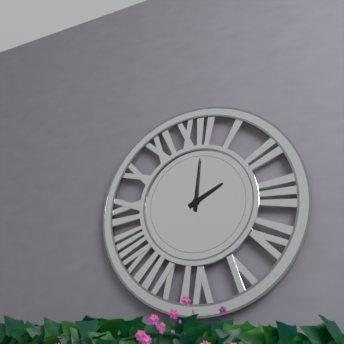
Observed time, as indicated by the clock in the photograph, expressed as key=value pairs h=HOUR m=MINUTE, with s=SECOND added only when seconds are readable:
h=2 m=1
